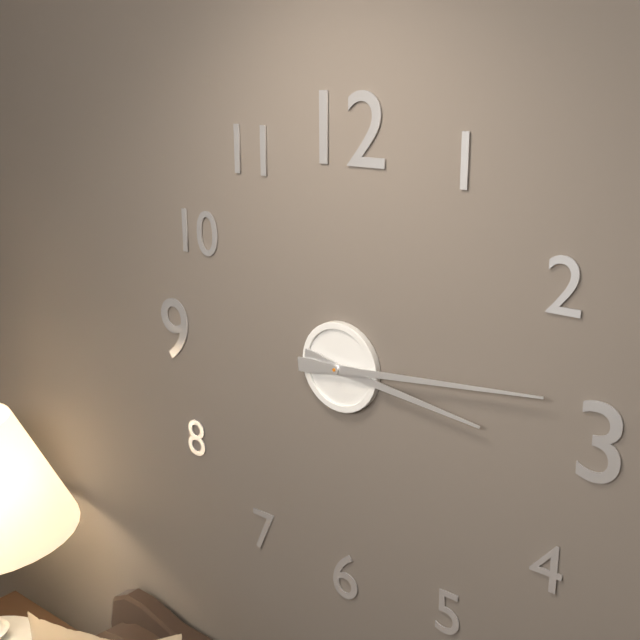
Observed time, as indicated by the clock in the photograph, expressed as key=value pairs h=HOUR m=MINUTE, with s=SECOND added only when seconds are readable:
h=3 m=14
